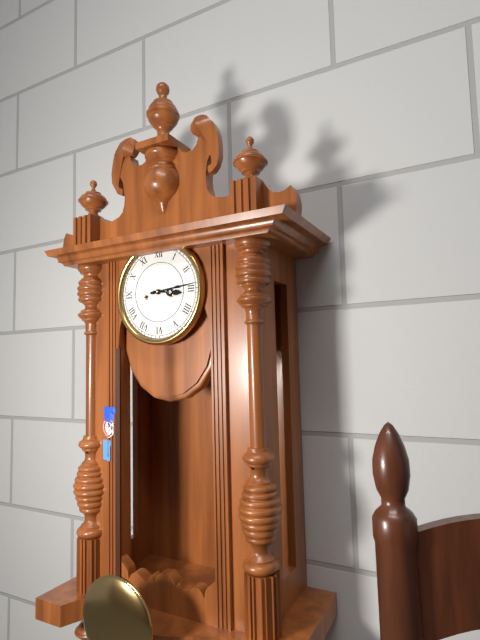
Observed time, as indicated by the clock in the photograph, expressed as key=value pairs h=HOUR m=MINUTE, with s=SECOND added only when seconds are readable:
h=3 m=14
